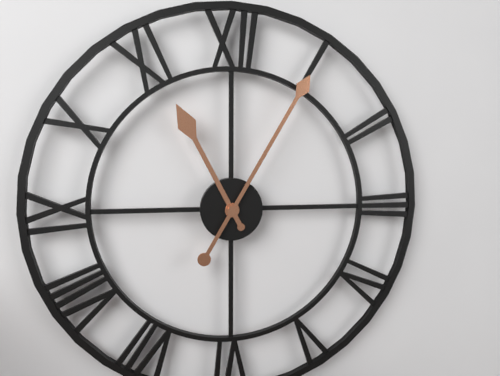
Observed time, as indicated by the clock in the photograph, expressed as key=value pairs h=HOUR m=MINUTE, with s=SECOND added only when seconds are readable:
h=11 m=5
